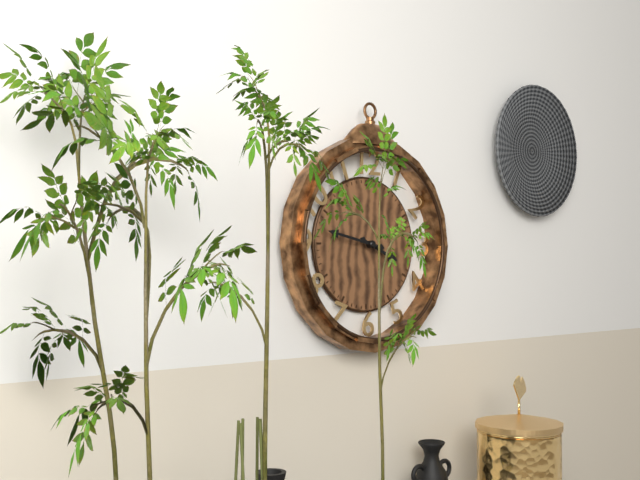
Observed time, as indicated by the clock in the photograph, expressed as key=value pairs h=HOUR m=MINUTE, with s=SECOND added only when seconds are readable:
h=3 m=47
